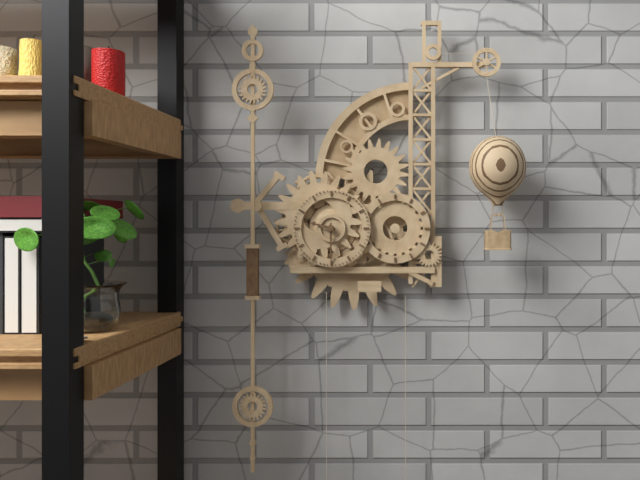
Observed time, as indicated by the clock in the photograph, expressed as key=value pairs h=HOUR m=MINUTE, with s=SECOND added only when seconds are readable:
h=9 m=30
